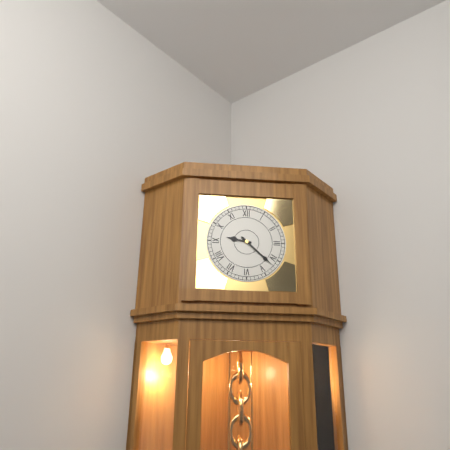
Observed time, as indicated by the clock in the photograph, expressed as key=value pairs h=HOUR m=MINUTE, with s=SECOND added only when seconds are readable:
h=9 m=22
